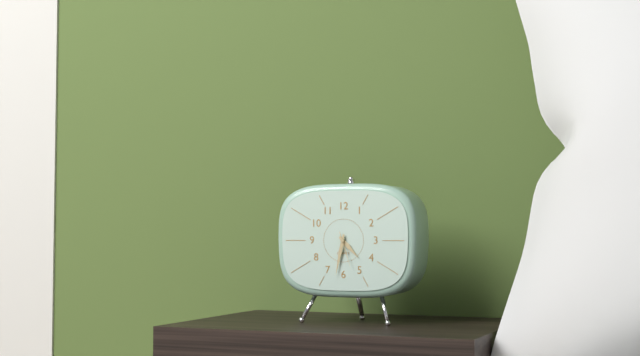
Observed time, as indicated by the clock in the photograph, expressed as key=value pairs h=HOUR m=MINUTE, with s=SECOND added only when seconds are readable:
h=4 m=32
